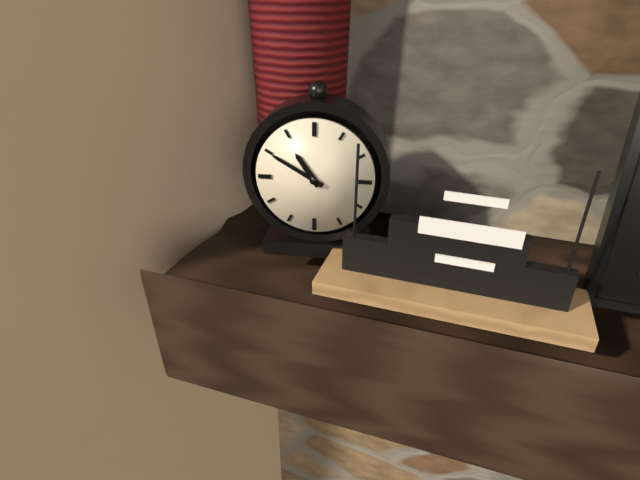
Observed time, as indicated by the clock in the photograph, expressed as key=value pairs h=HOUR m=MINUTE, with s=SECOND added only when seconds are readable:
h=10 m=50
